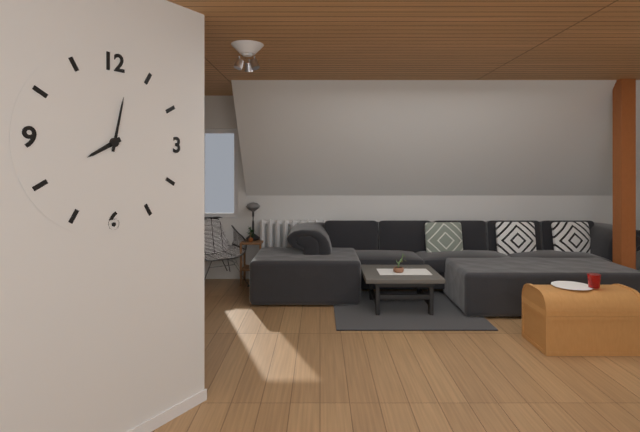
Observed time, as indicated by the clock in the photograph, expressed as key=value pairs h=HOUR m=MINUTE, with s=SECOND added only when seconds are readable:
h=8 m=2
